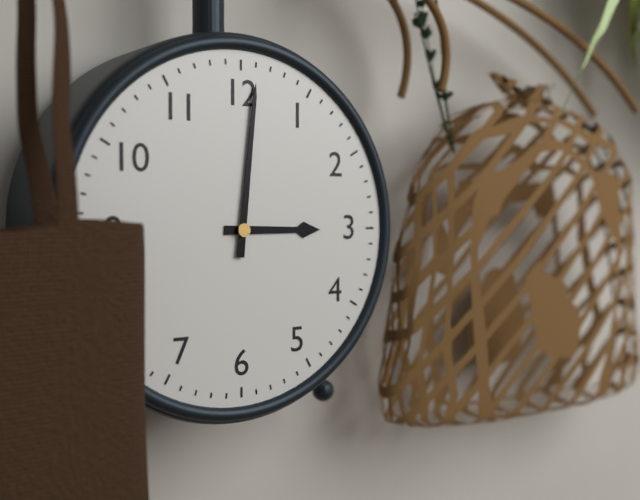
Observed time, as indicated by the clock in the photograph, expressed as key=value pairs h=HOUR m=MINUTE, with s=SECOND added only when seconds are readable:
h=3 m=1
